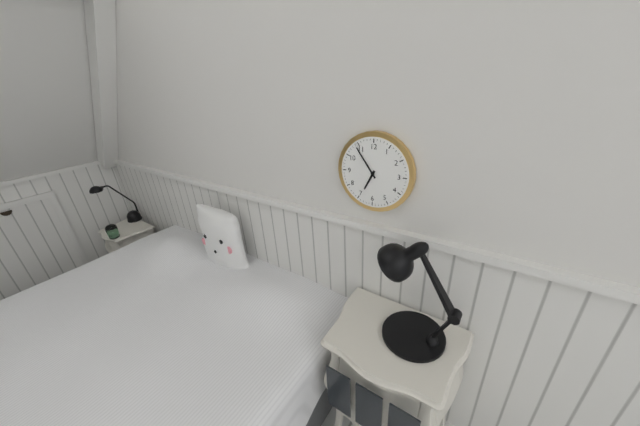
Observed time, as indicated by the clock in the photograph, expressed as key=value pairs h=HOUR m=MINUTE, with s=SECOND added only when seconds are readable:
h=6 m=54
